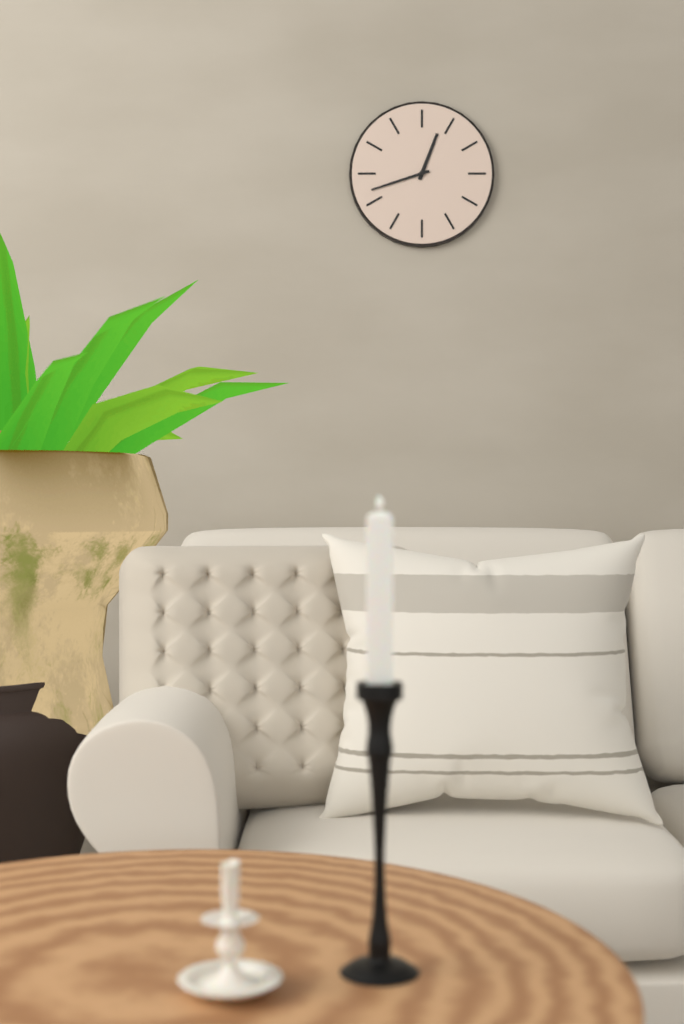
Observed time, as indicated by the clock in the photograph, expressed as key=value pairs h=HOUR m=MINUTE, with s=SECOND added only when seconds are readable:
h=12 m=42
